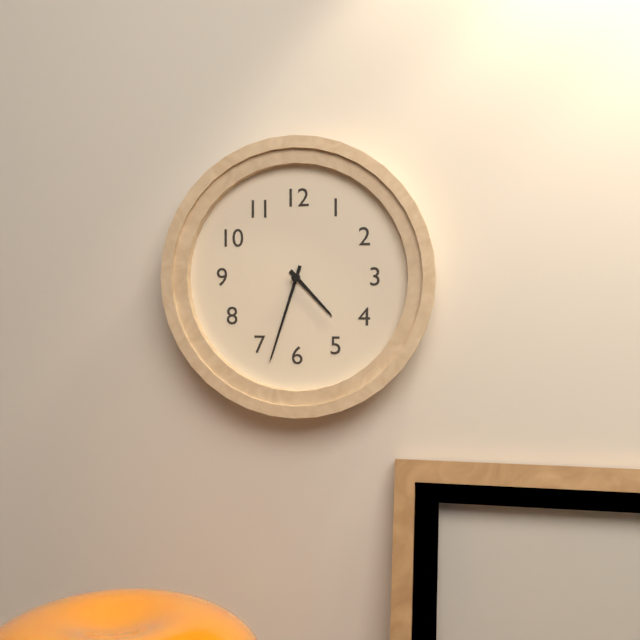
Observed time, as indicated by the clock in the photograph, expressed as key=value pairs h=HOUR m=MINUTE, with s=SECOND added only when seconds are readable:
h=4 m=33
